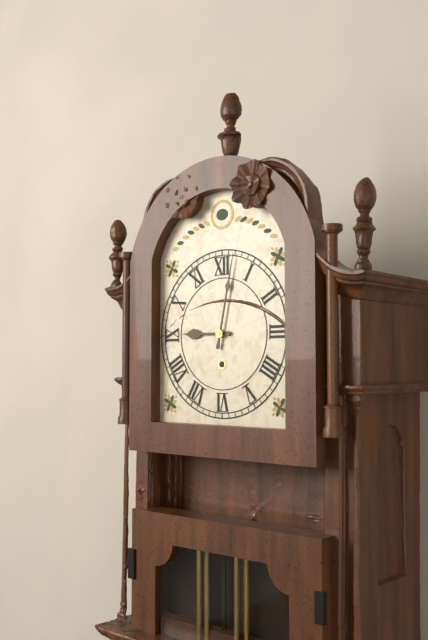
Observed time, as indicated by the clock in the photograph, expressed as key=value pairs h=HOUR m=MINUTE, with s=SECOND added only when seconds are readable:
h=9 m=2
